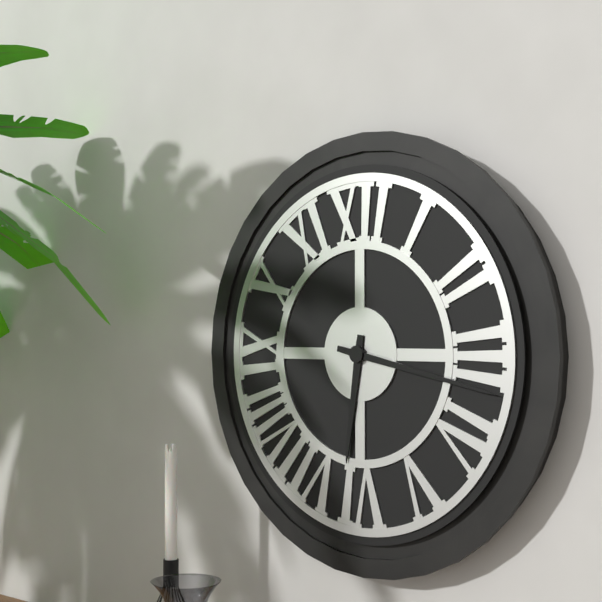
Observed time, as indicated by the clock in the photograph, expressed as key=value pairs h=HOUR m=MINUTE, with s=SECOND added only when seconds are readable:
h=6 m=17
